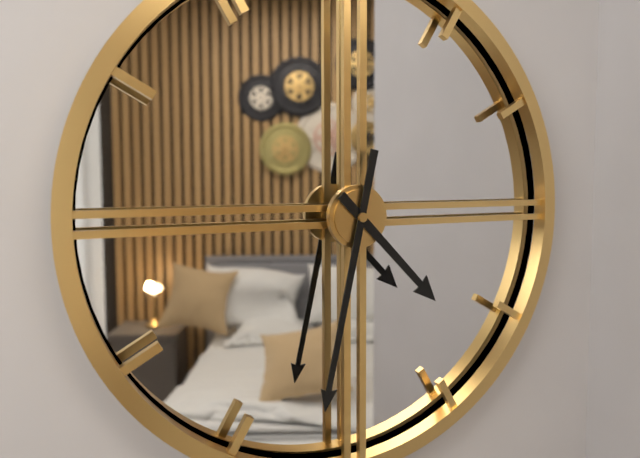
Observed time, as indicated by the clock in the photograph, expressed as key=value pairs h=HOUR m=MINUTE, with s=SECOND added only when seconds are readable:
h=4 m=32
